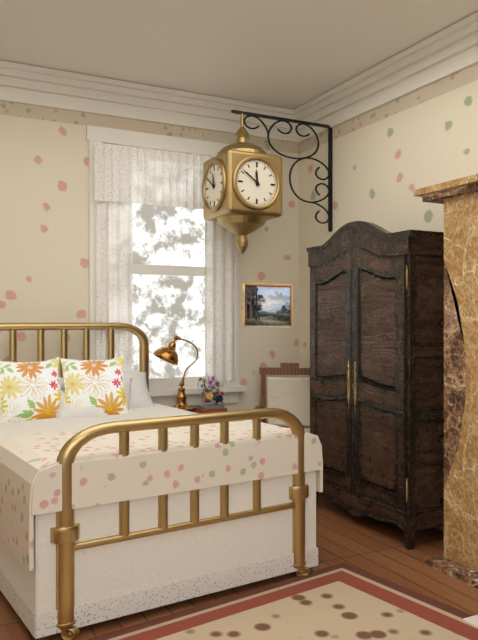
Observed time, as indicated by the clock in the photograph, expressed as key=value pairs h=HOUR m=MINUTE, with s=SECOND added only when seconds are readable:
h=11 m=51
